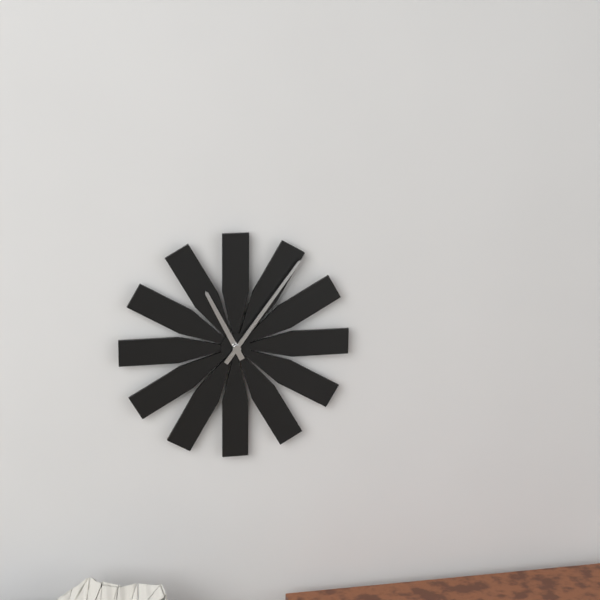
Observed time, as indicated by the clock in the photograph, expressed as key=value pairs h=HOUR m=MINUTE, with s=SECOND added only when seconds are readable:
h=11 m=6
